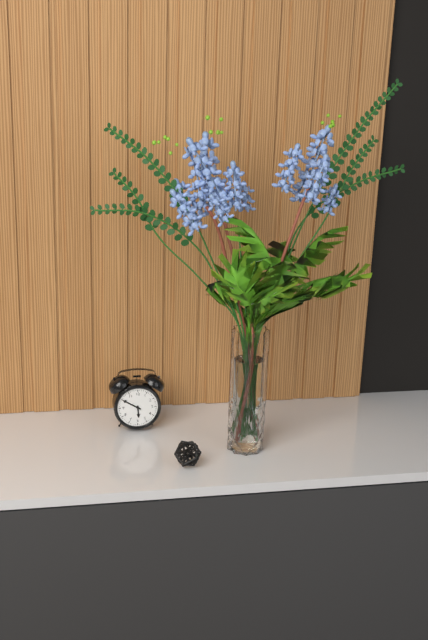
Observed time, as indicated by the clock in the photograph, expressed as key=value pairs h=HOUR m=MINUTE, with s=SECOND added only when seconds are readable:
h=5 m=50
